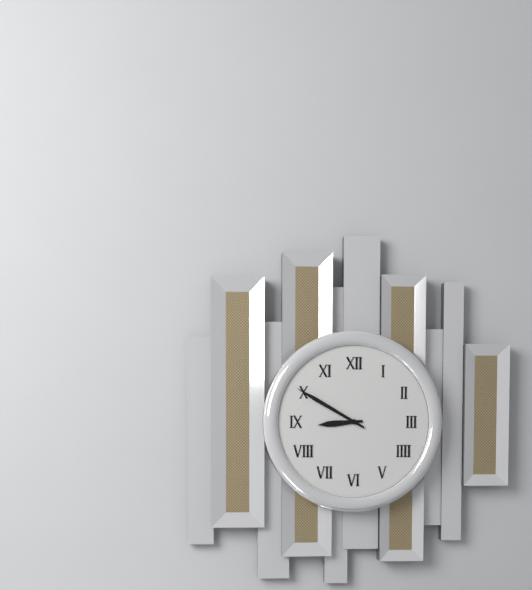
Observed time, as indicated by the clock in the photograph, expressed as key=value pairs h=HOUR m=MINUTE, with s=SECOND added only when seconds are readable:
h=8 m=50
